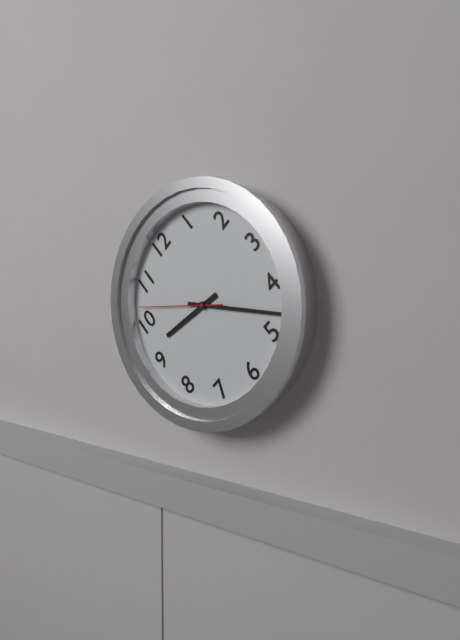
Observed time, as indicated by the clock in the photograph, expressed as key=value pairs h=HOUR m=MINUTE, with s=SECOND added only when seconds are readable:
h=9 m=23 s=52
